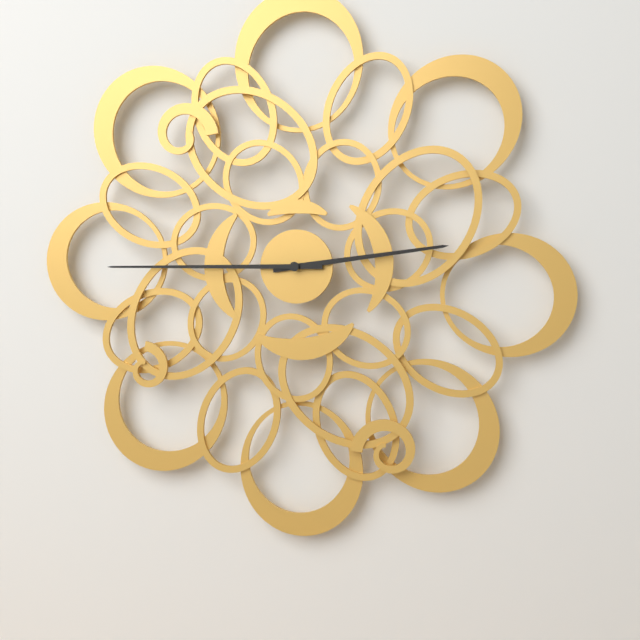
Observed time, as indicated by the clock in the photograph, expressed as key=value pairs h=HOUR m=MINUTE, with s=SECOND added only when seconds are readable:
h=2 m=45
